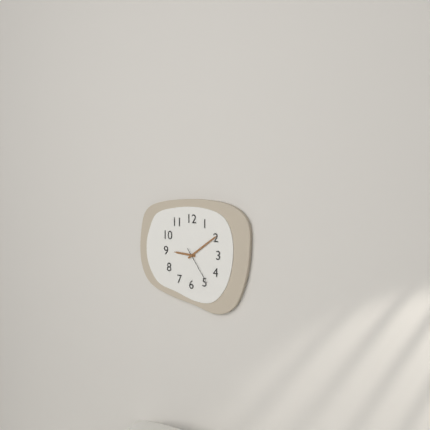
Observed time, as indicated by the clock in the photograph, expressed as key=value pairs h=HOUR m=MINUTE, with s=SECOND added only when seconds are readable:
h=9 m=9
